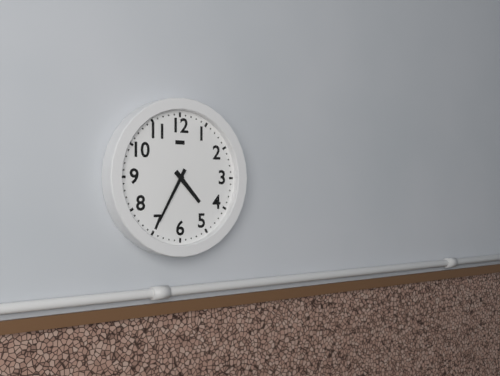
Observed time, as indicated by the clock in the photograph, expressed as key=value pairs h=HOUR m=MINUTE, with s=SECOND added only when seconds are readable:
h=4 m=35
